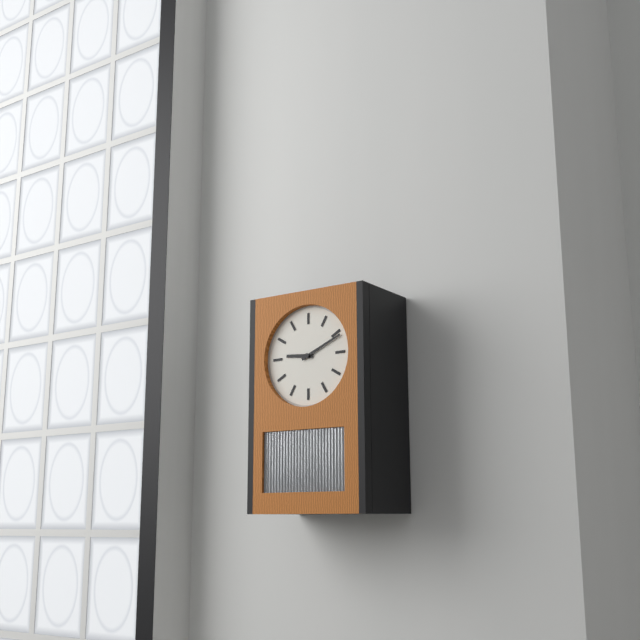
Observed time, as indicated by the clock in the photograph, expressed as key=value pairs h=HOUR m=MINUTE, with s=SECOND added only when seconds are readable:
h=9 m=11
